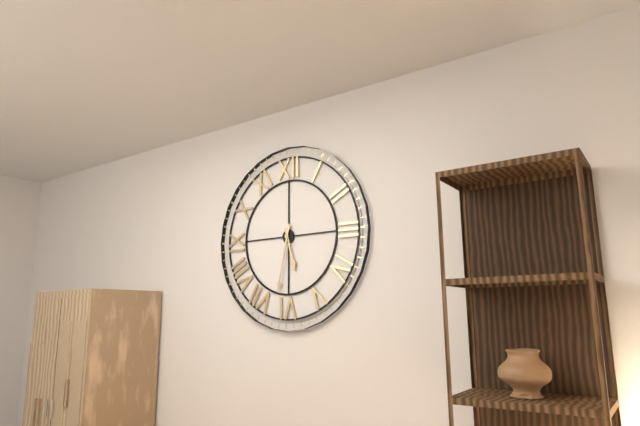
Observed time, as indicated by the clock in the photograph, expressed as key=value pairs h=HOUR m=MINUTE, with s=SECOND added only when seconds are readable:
h=5 m=32
